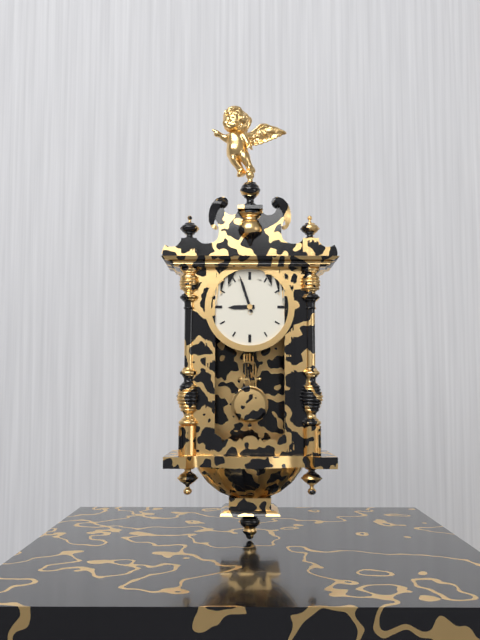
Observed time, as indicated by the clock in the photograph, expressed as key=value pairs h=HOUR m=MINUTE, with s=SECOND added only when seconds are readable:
h=8 m=57
